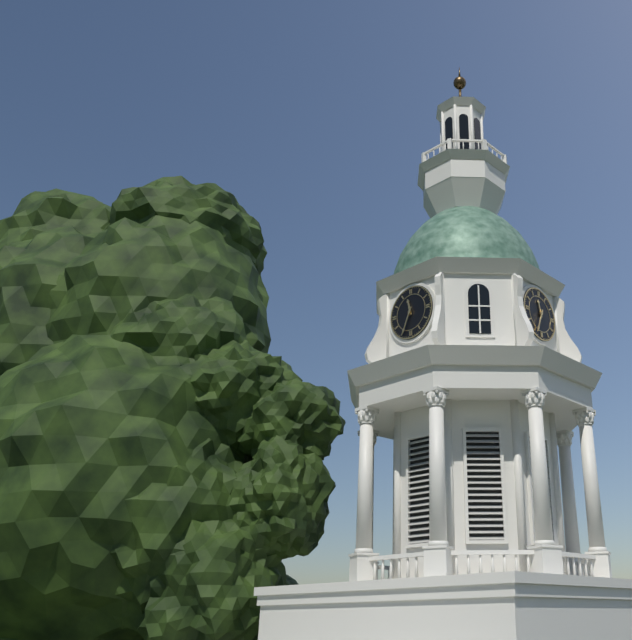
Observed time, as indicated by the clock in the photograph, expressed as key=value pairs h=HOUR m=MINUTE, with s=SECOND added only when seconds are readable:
h=11 m=34
